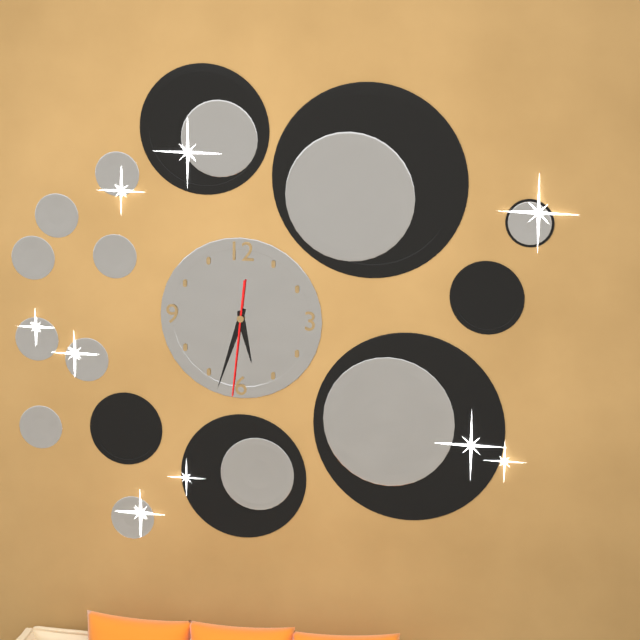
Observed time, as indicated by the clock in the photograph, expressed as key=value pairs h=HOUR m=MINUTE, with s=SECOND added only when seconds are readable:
h=5 m=33 s=31
